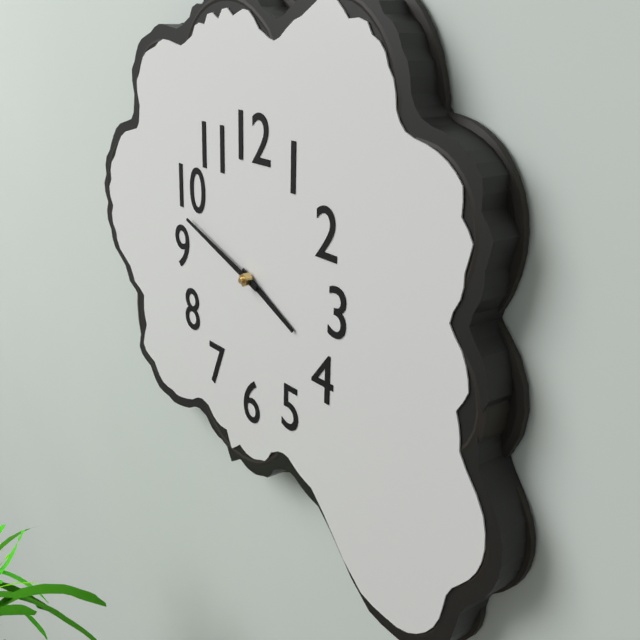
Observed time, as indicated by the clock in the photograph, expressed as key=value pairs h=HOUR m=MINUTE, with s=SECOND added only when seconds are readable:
h=3 m=48
